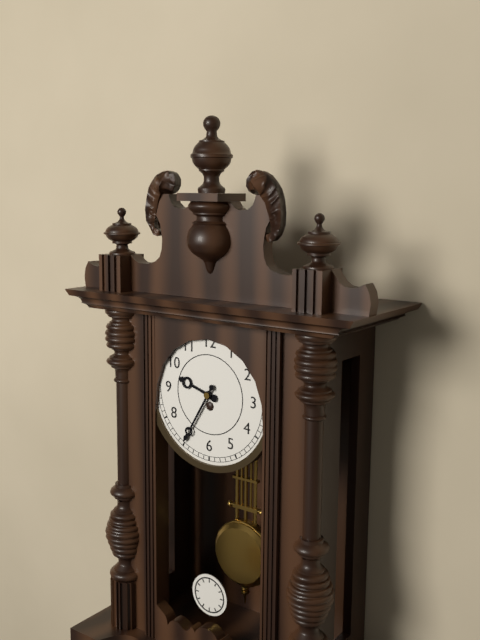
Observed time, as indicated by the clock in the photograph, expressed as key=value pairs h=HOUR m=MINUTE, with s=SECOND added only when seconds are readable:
h=9 m=35
